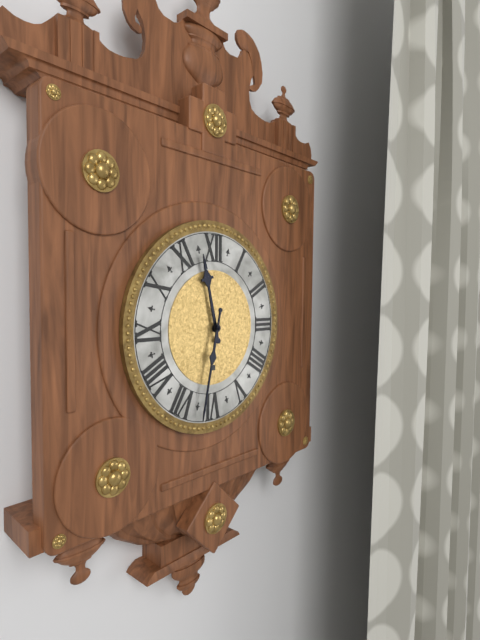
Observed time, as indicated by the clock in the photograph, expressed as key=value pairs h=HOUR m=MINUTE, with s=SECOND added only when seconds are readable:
h=11 m=32
